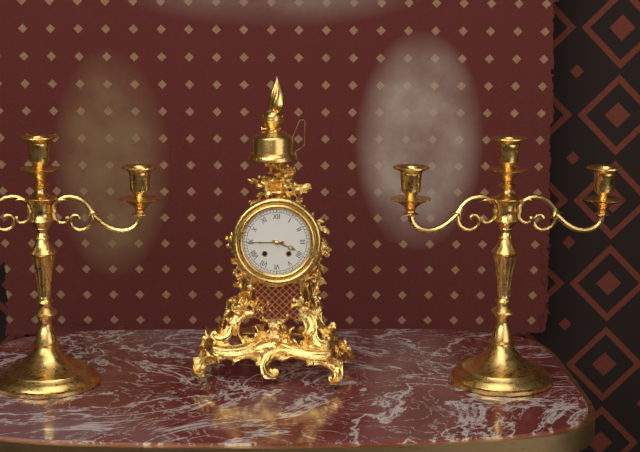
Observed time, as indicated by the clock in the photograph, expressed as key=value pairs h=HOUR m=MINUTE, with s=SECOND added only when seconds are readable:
h=3 m=45
